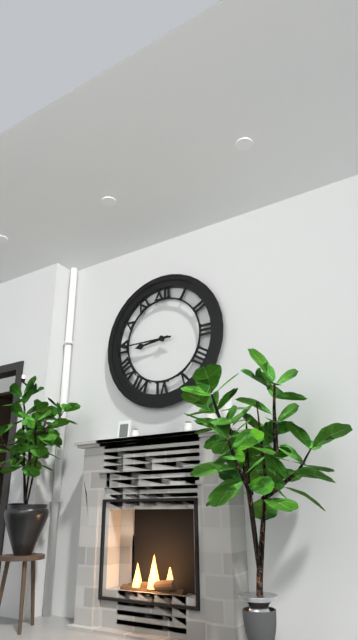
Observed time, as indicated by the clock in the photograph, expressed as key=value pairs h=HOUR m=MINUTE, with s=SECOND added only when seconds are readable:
h=8 m=45
